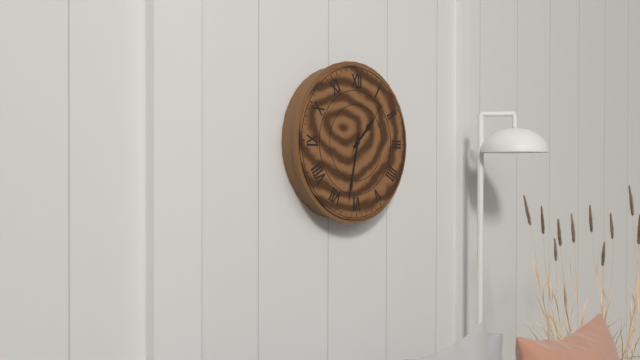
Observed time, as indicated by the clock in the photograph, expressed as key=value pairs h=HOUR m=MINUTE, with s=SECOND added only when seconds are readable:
h=1 m=32 s=7
